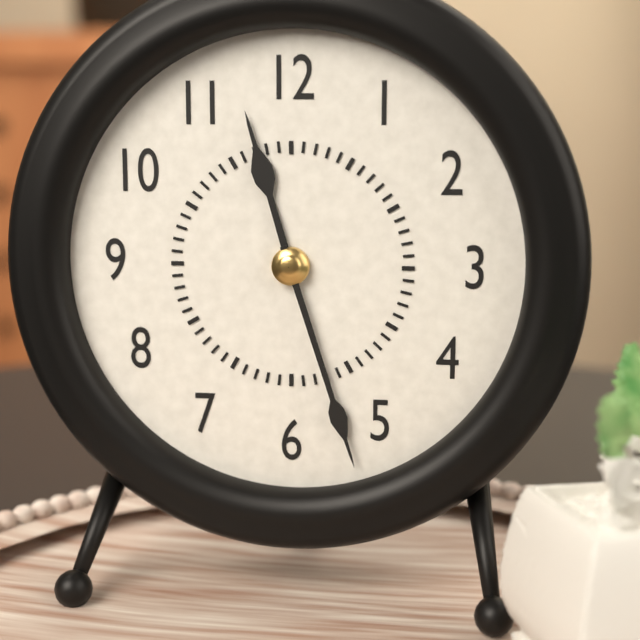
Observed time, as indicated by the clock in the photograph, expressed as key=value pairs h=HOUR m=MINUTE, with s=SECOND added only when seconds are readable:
h=11 m=27
